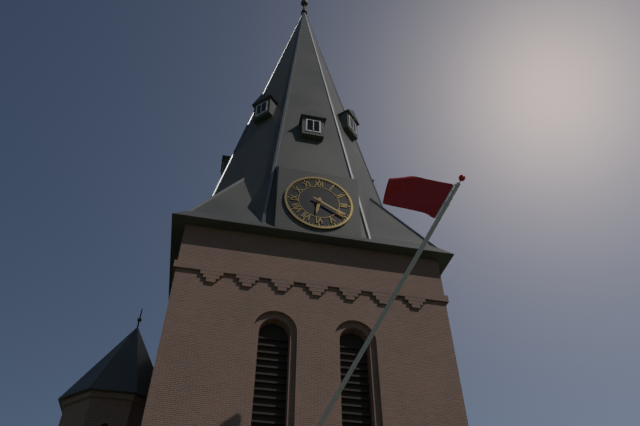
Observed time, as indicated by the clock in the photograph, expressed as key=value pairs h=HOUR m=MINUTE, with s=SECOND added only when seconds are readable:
h=6 m=20
